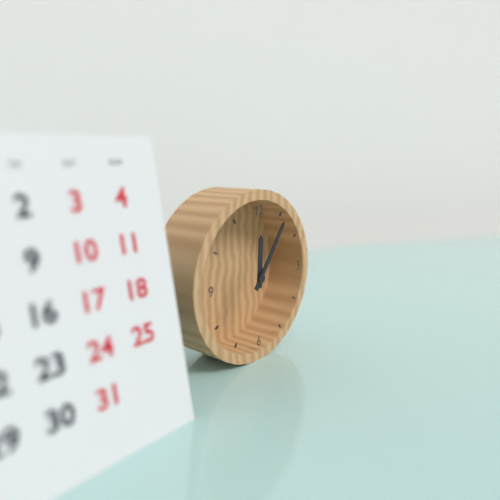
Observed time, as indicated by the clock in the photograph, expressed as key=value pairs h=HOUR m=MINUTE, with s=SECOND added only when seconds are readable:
h=12 m=6
